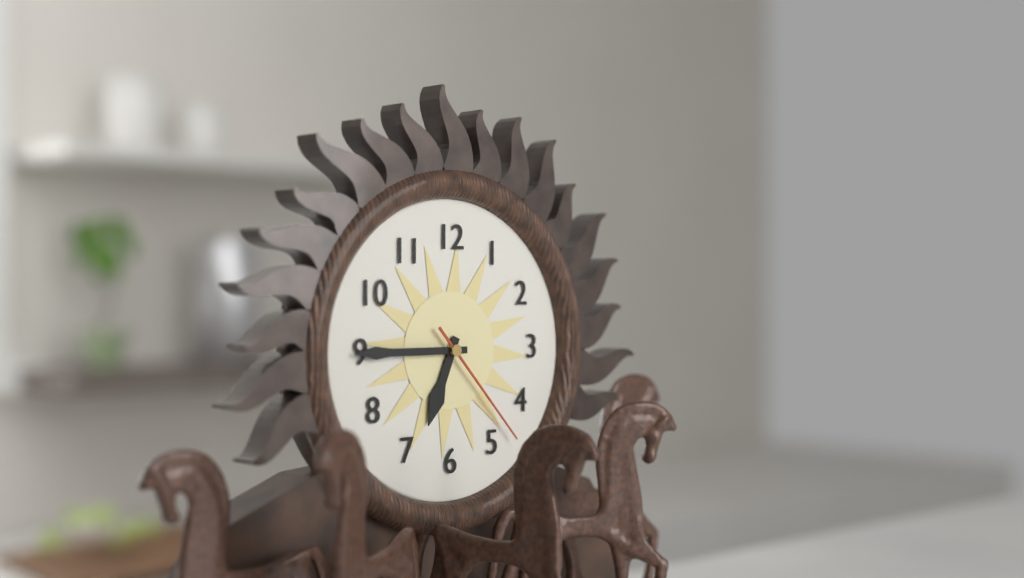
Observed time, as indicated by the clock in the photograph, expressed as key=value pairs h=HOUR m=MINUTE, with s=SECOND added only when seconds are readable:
h=6 m=45 s=23
